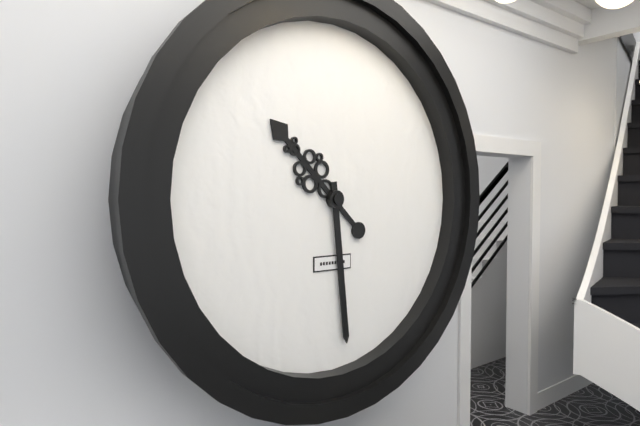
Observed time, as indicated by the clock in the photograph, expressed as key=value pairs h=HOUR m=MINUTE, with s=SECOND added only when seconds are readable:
h=10 m=29
